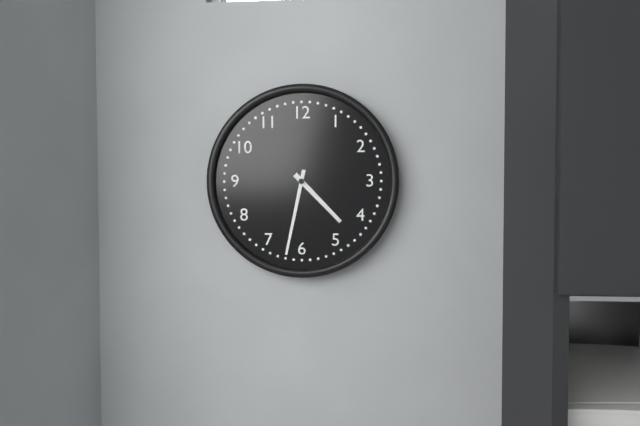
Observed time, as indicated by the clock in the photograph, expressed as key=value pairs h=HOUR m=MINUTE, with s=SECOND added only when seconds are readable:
h=4 m=32
